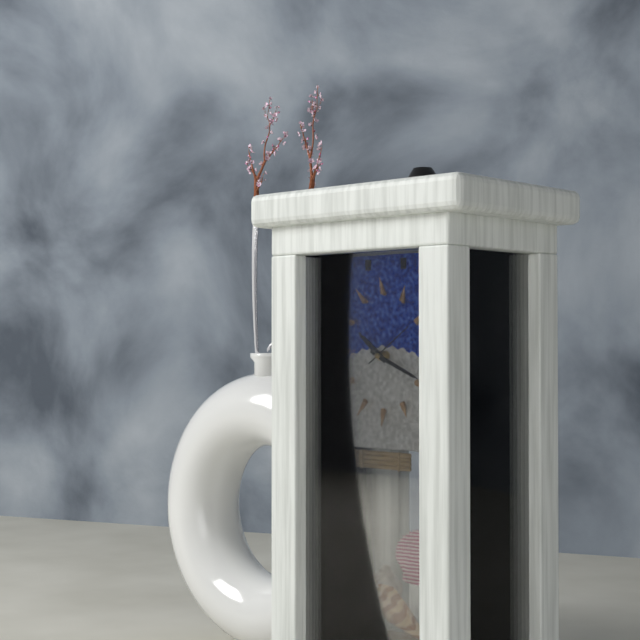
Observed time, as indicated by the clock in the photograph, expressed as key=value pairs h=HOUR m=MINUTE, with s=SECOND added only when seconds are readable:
h=10 m=19 s=9
